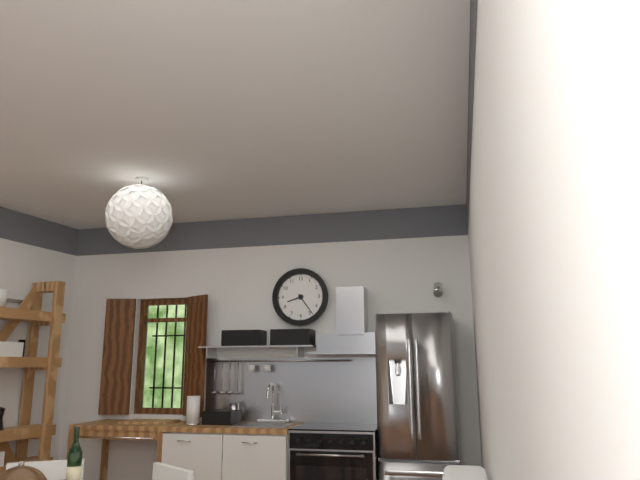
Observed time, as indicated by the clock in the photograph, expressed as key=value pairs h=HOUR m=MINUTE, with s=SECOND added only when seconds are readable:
h=8 m=24
